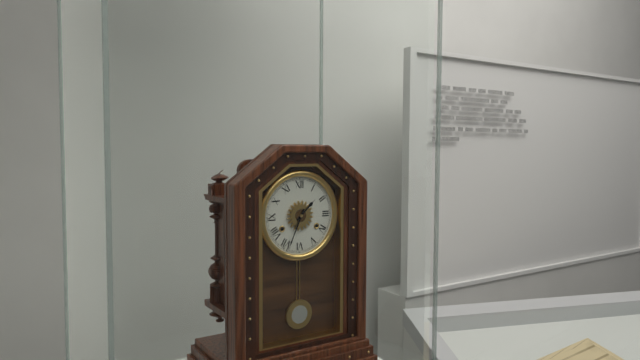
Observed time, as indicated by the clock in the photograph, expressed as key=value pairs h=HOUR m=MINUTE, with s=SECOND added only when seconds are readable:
h=1 m=34
